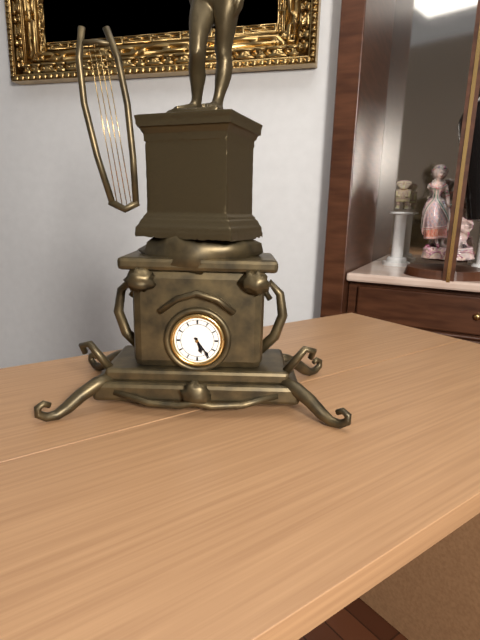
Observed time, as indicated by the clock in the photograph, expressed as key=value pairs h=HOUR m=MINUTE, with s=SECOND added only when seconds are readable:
h=5 m=24
